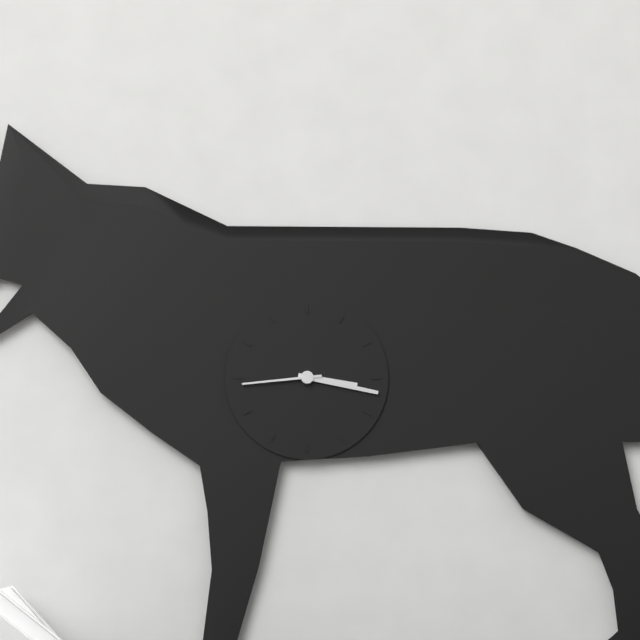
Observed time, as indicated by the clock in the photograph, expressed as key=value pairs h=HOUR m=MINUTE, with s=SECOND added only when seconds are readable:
h=3 m=17 s=44
